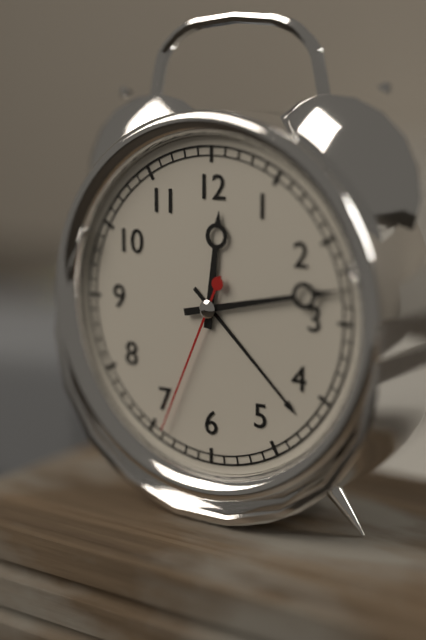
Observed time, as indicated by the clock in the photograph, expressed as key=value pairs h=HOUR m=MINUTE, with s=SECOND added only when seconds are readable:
h=12 m=13 s=34
